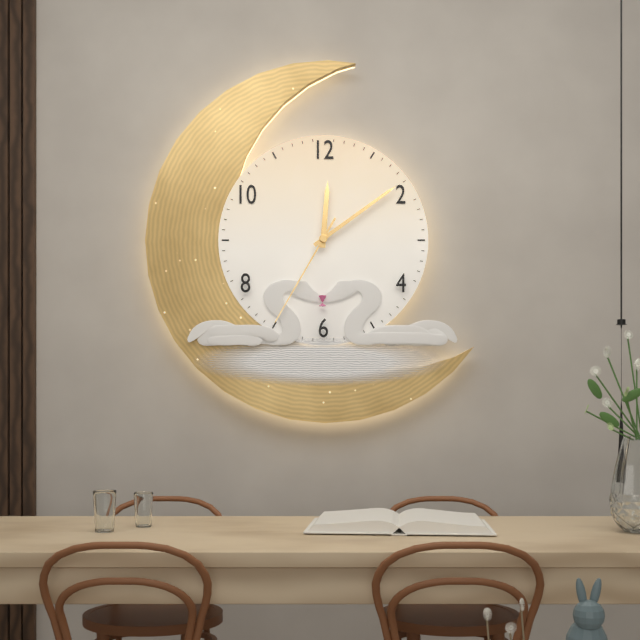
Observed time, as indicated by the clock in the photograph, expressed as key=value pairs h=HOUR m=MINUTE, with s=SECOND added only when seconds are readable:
h=12 m=9 s=35
